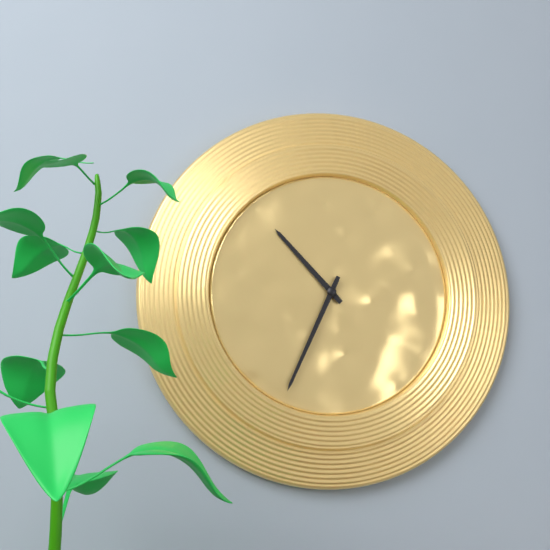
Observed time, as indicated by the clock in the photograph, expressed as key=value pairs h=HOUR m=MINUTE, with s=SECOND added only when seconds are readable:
h=10 m=34
